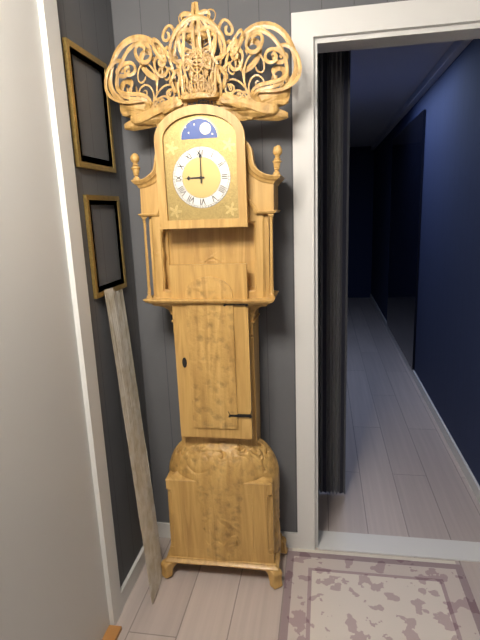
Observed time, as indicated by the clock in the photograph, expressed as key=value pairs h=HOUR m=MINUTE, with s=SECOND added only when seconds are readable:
h=9 m=0
